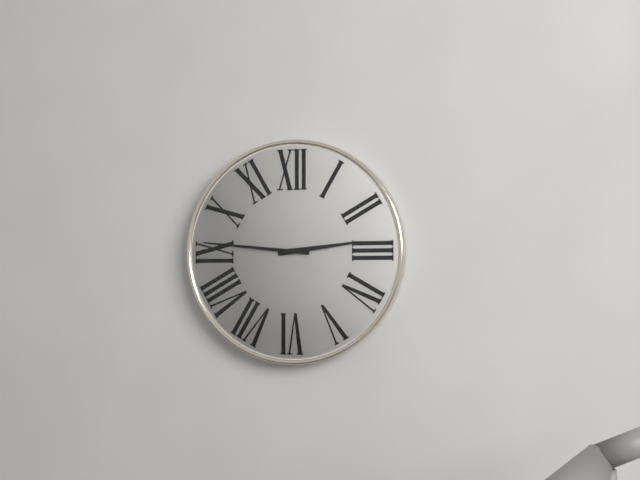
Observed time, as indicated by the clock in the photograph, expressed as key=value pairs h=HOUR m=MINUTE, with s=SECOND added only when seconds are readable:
h=2 m=46
